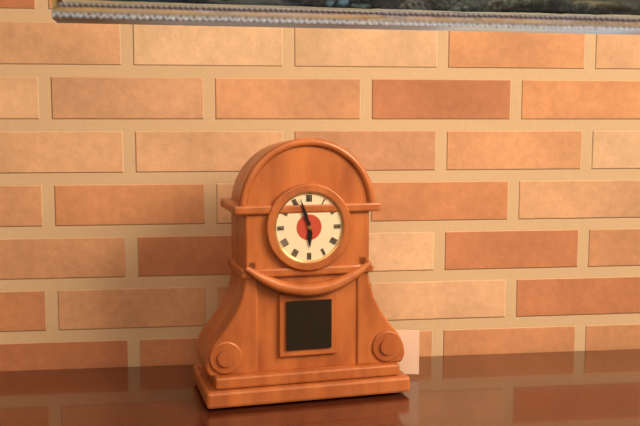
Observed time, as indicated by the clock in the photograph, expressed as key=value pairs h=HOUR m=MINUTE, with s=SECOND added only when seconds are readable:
h=5 m=57
